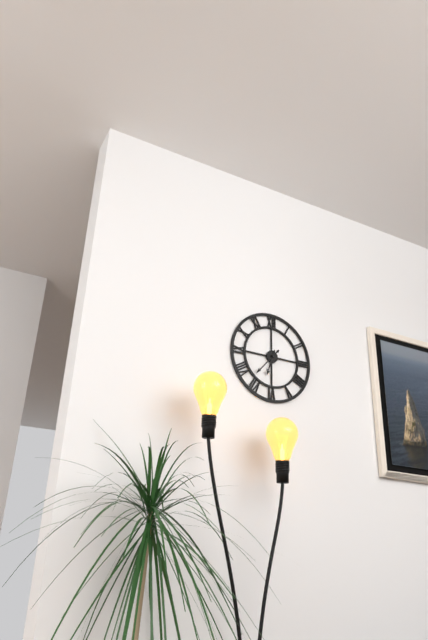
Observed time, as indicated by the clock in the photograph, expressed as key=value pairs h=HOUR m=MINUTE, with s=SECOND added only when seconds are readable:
h=6 m=37
